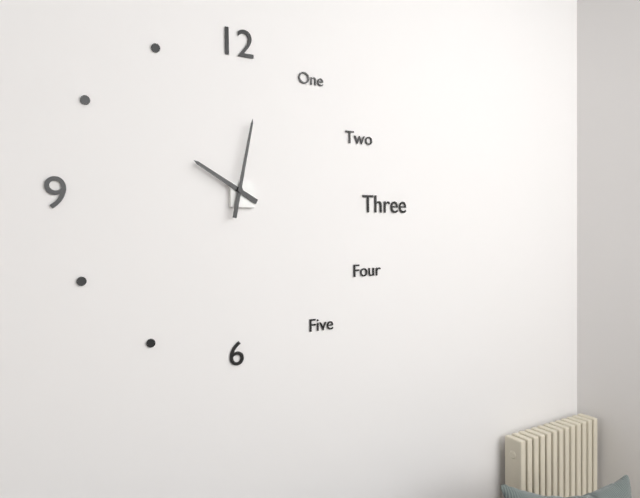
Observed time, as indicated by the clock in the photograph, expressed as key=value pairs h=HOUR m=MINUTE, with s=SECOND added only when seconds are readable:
h=10 m=2
